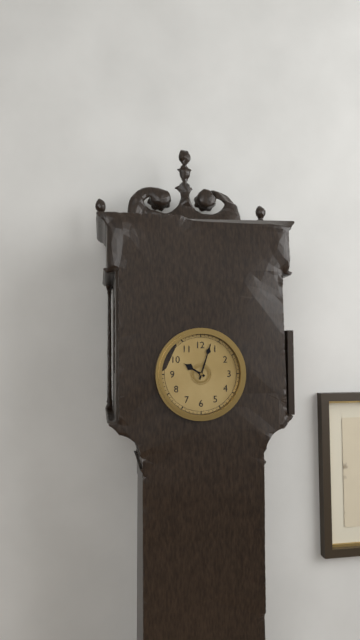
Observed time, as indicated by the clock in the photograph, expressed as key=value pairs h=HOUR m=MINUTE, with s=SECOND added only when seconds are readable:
h=10 m=3
